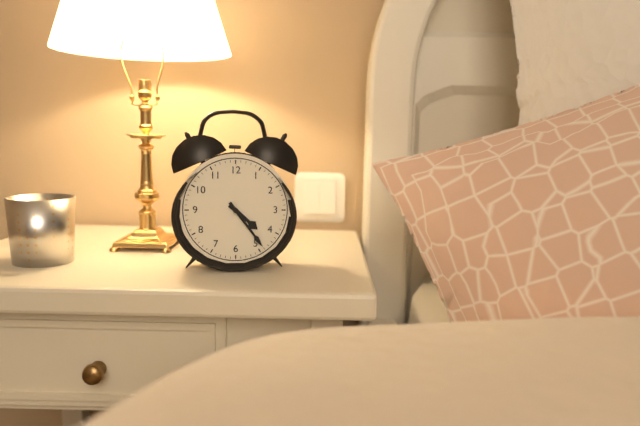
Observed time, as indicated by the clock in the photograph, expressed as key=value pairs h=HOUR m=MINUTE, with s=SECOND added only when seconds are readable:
h=4 m=24
